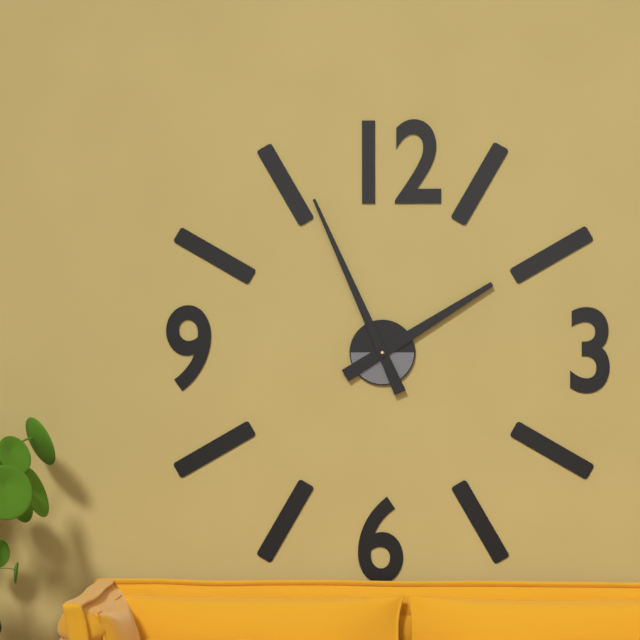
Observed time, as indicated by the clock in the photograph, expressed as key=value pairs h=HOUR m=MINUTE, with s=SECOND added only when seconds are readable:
h=1 m=56
